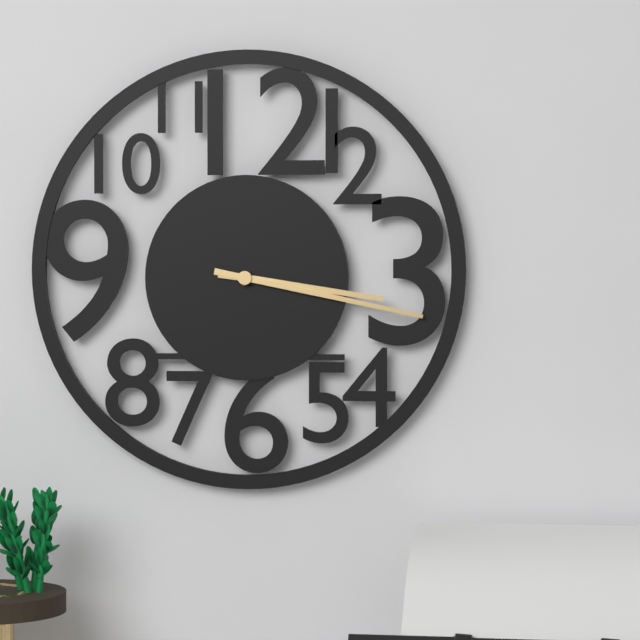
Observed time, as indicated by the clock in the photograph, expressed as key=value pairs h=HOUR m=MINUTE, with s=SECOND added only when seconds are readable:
h=3 m=17
